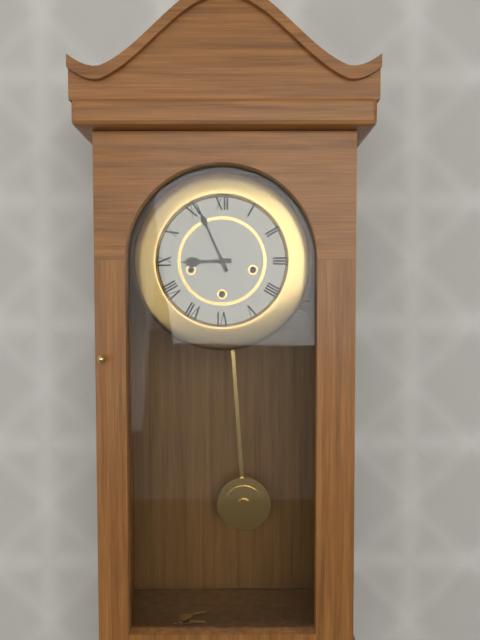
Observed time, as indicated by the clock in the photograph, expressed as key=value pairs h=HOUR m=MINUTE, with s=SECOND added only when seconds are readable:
h=8 m=56
